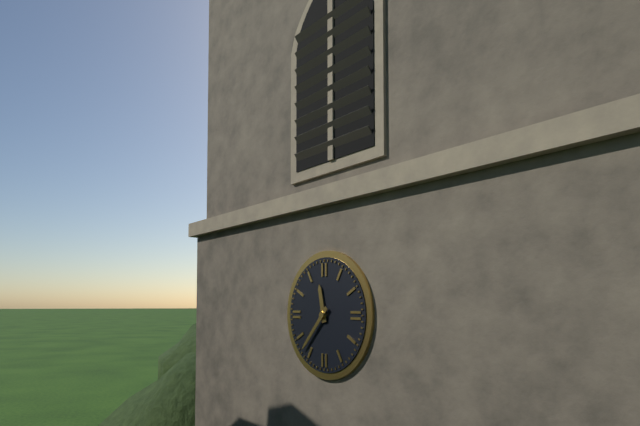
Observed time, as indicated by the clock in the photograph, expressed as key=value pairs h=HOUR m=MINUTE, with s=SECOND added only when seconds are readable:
h=11 m=37
